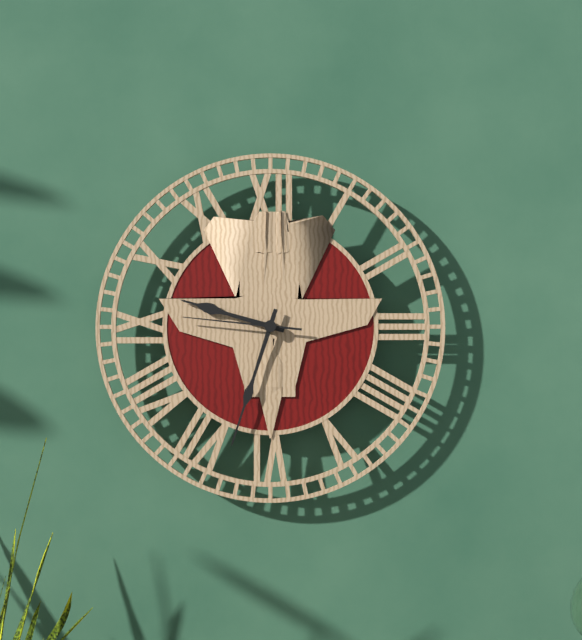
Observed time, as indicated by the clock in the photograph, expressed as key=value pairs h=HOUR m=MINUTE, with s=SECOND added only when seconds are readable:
h=9 m=33 s=46
